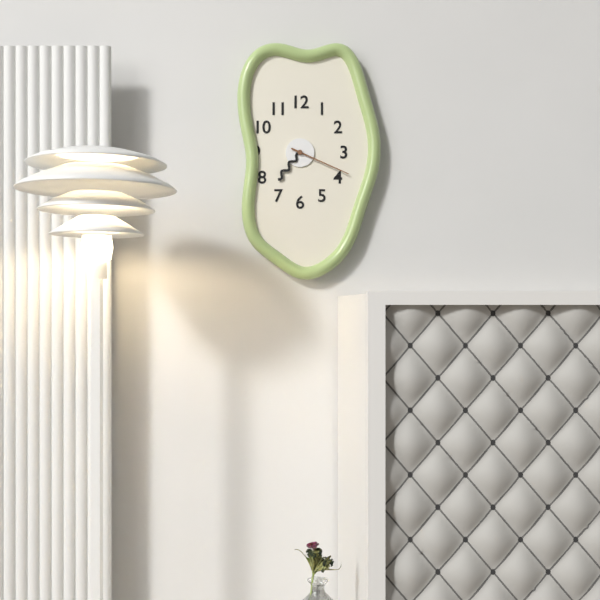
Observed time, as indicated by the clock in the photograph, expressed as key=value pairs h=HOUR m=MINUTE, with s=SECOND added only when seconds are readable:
h=7 m=19
